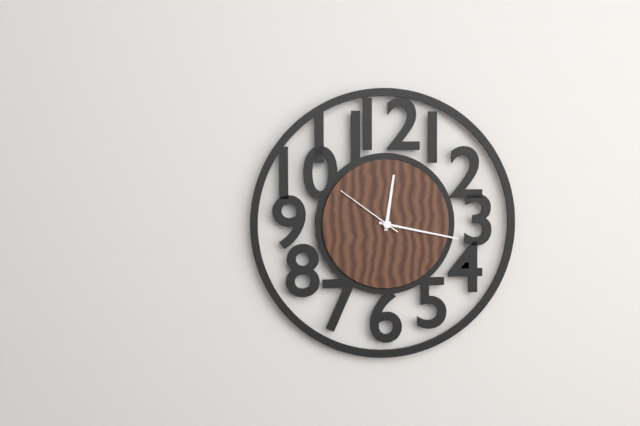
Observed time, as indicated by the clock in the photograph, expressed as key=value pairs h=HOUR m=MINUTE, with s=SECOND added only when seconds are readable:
h=12 m=17 s=51
